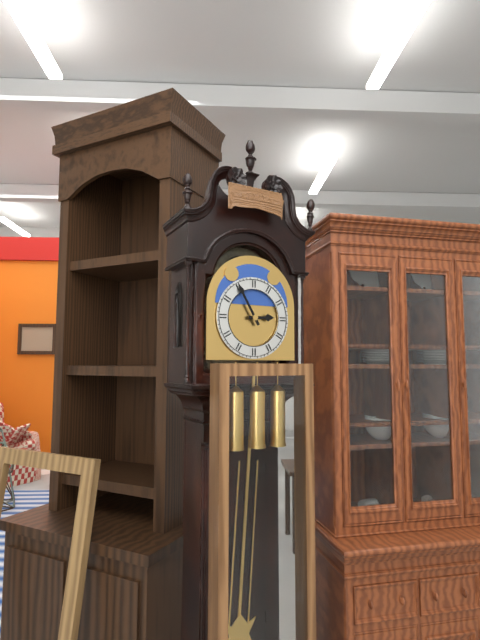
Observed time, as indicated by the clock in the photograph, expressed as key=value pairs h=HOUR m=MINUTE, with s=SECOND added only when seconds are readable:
h=2 m=55
